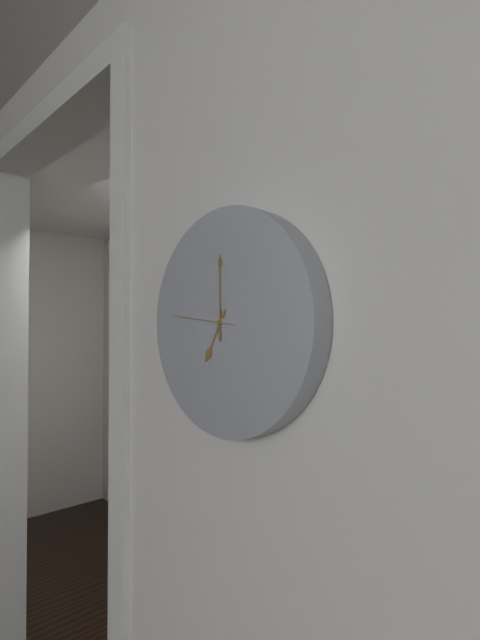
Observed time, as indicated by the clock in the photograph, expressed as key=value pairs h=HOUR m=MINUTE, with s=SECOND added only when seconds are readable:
h=7 m=0 s=46
